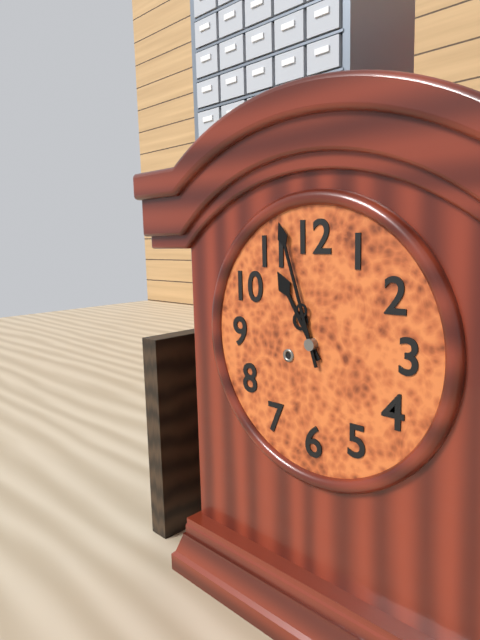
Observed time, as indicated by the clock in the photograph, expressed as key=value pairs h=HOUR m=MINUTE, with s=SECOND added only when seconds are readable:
h=10 m=57
